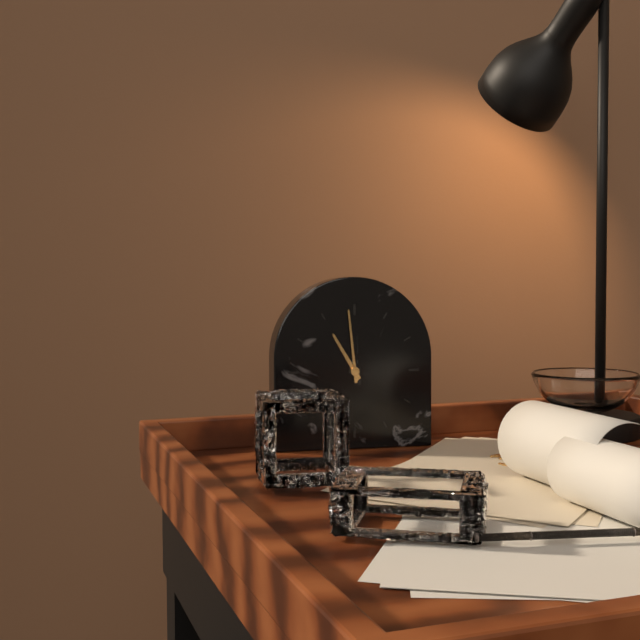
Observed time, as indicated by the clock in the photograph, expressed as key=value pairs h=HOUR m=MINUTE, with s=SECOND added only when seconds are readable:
h=10 m=59
